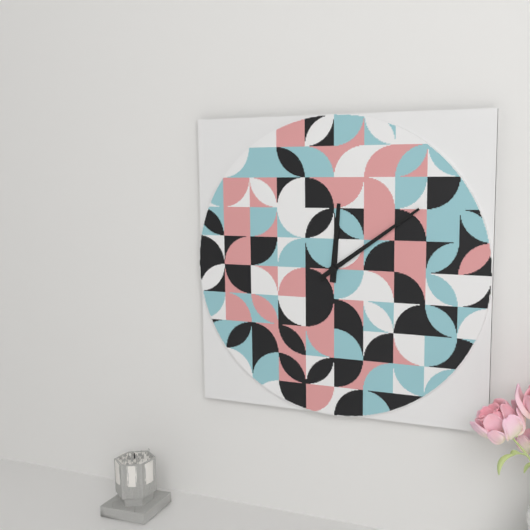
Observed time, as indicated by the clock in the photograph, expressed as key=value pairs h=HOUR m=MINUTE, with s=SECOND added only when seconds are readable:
h=12 m=9
